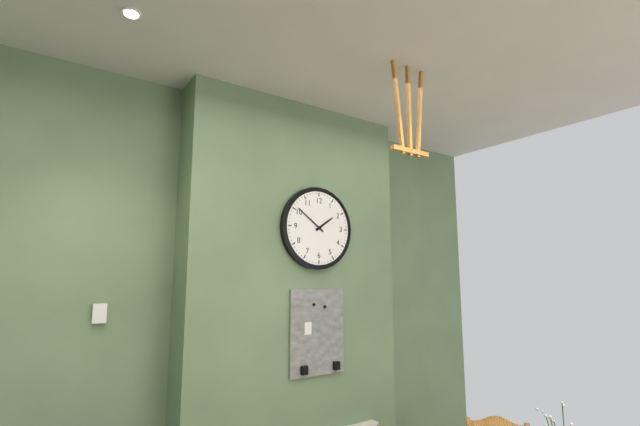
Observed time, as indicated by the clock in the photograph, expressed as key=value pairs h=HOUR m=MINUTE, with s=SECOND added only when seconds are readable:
h=1 m=51
